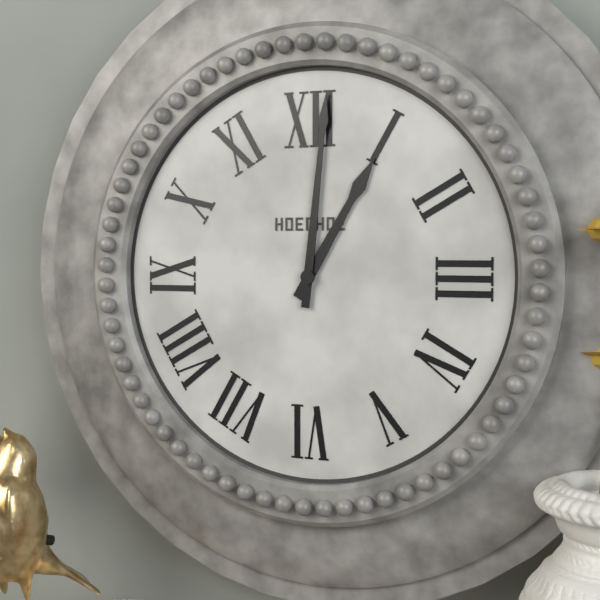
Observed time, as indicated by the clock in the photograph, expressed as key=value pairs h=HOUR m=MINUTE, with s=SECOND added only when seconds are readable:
h=1 m=1
